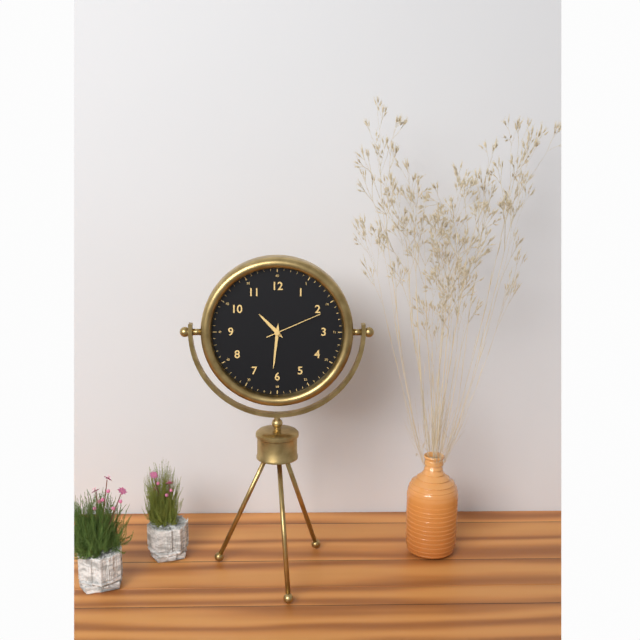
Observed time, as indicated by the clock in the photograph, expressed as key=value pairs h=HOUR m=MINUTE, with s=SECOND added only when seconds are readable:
h=10 m=31 s=11
